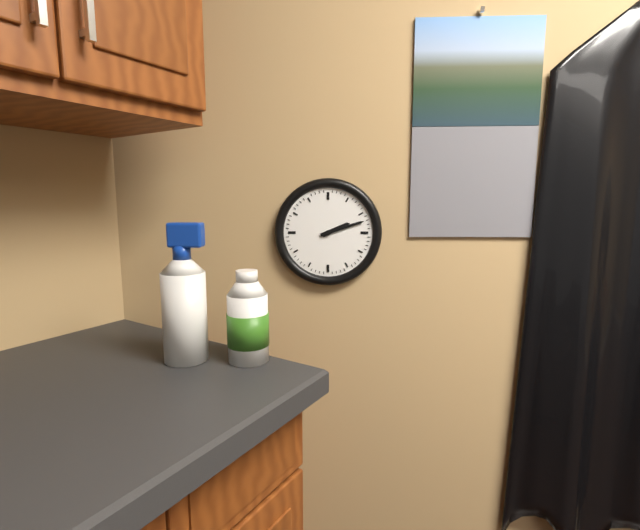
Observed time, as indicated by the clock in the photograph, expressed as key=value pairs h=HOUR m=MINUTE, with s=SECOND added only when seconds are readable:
h=2 m=12
